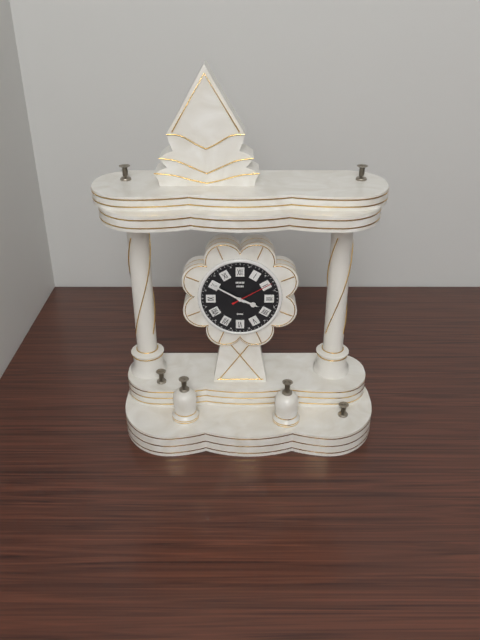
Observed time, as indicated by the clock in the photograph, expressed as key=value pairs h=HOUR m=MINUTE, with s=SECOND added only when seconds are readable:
h=3 m=50
